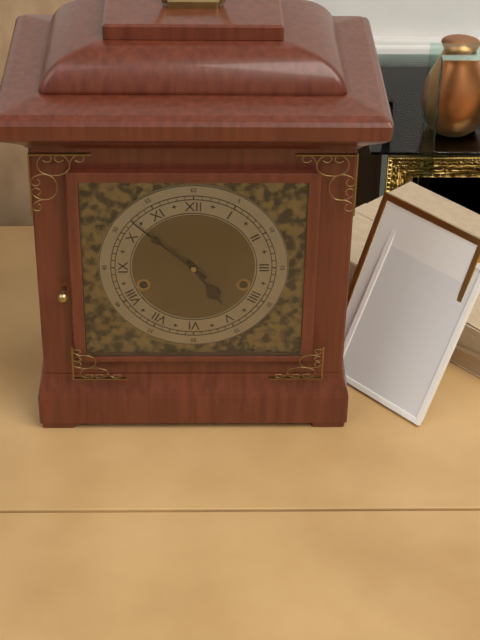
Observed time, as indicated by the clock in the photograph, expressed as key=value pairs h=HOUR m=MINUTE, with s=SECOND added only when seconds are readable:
h=4 m=52
